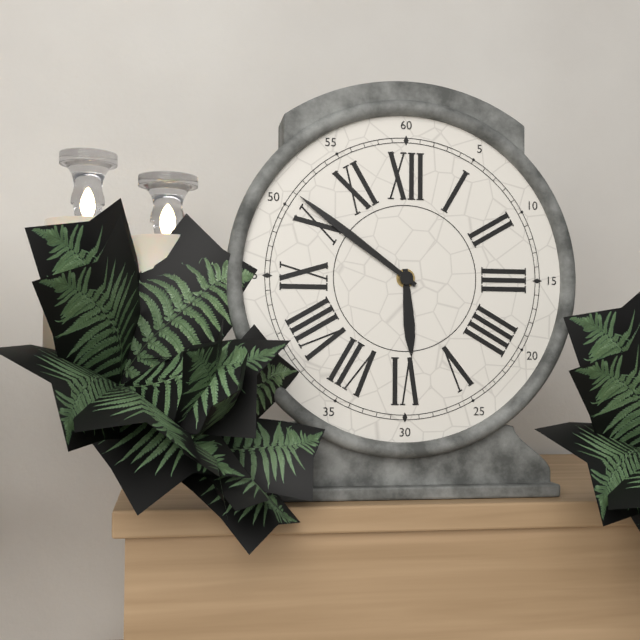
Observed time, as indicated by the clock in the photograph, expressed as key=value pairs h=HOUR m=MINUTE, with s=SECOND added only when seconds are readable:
h=5 m=51
